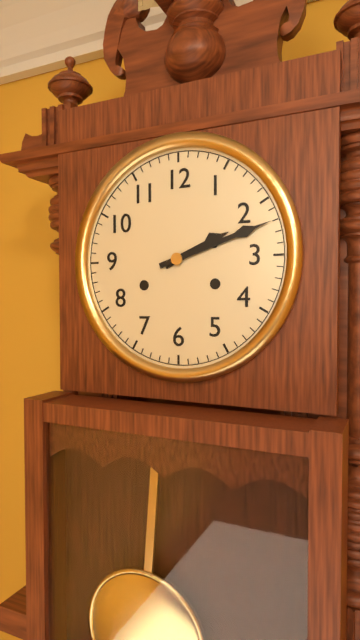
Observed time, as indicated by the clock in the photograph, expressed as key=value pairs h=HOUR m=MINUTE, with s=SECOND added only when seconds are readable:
h=2 m=12
